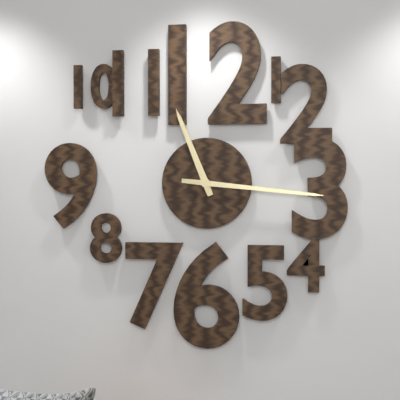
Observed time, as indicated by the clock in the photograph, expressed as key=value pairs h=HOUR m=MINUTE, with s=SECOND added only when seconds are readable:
h=11 m=16
